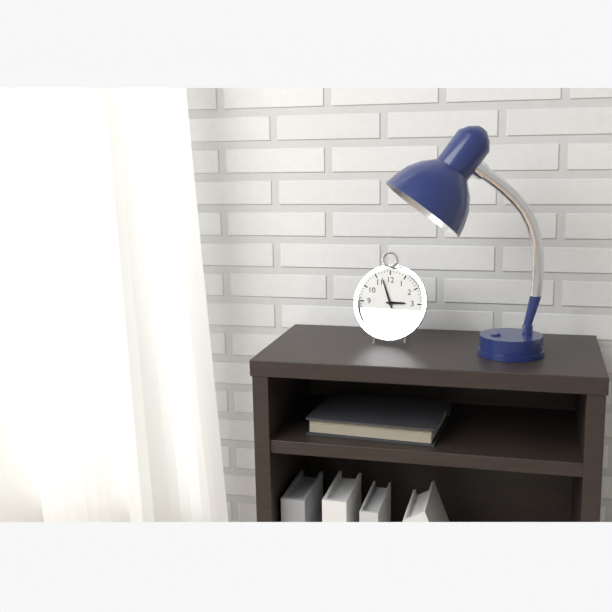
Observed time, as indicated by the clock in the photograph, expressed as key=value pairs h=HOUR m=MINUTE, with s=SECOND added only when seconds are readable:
h=2 m=57
